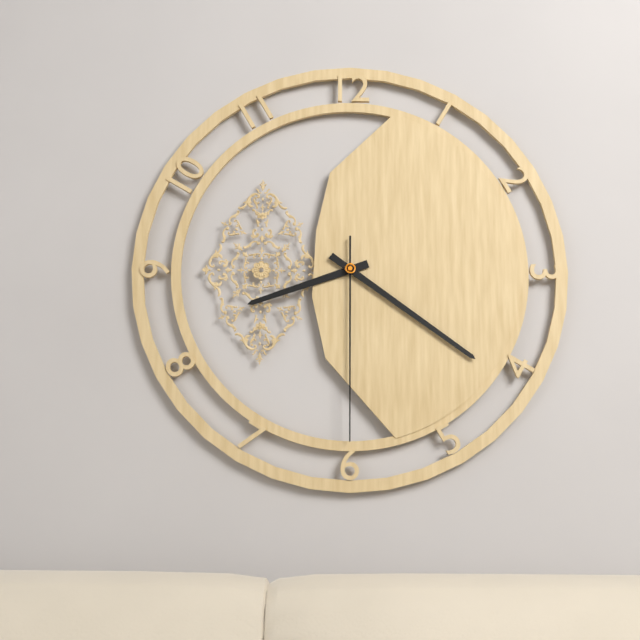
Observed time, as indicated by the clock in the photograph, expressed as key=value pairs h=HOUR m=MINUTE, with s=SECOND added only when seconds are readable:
h=8 m=21 s=30
